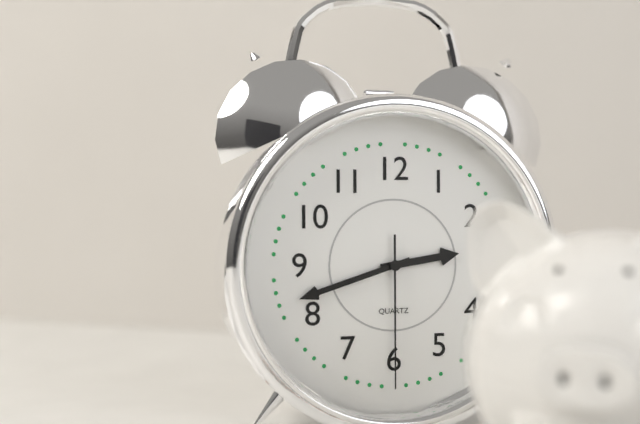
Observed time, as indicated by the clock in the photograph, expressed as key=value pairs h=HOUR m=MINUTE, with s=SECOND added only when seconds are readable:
h=2 m=42 s=30
